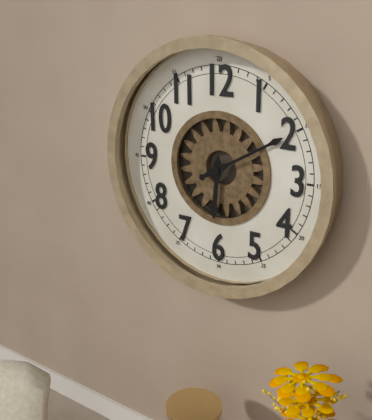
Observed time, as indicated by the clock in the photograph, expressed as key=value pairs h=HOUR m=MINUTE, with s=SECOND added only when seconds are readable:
h=6 m=10
